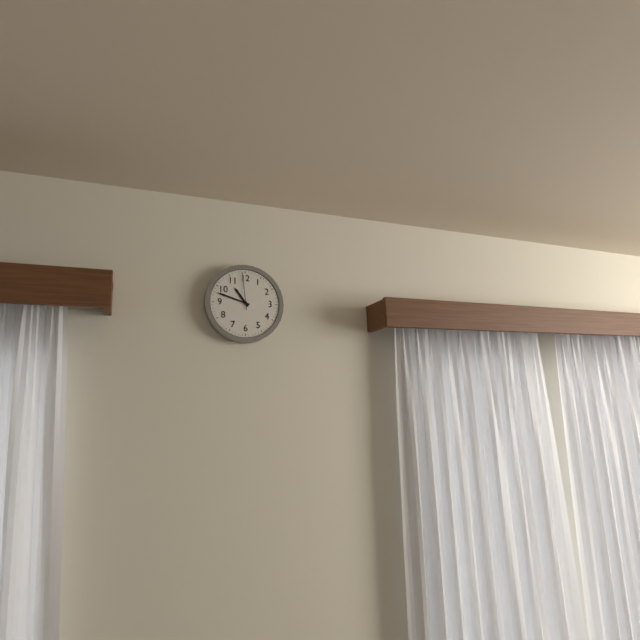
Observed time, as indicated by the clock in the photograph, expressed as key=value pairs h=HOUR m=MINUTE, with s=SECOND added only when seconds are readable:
h=10 m=48
